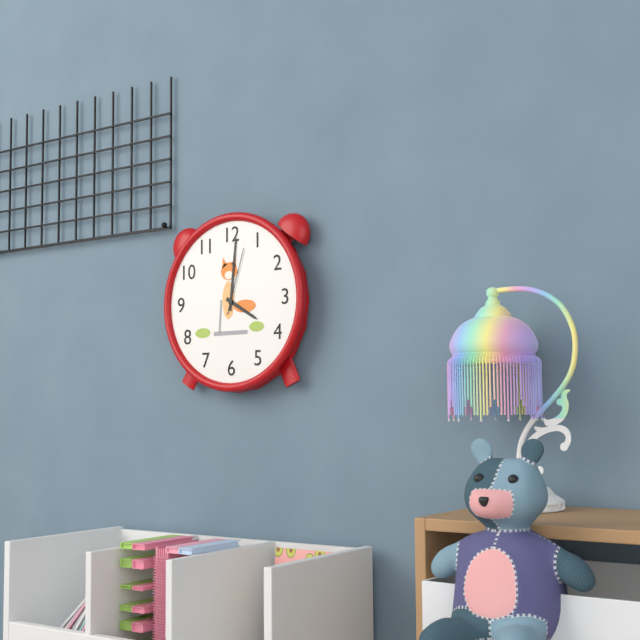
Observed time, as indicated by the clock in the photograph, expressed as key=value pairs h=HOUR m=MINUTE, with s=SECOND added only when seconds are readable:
h=4 m=1 s=3
